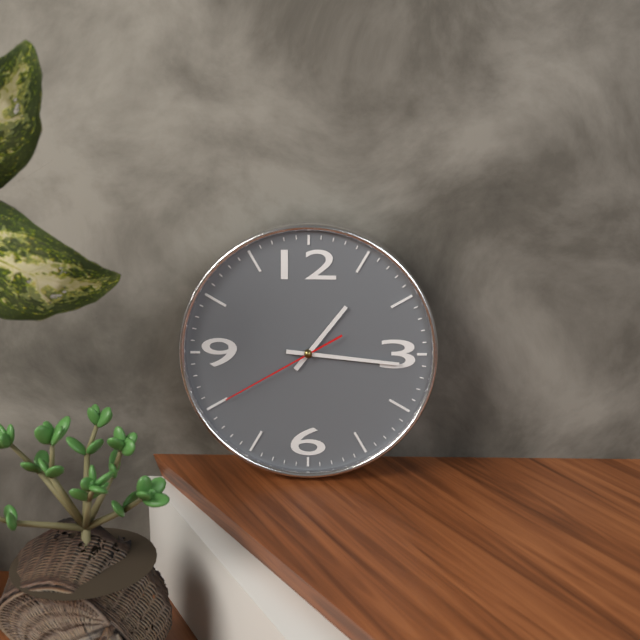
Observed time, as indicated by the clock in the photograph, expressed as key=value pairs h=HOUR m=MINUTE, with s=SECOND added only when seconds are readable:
h=1 m=16 s=40
